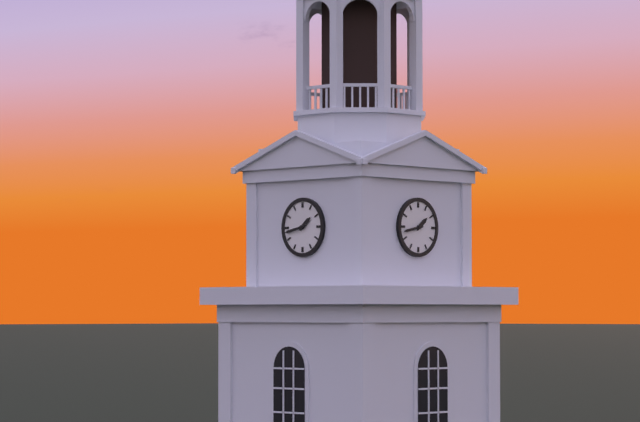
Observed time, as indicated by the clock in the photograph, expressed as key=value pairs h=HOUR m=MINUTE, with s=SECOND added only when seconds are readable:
h=1 m=43
